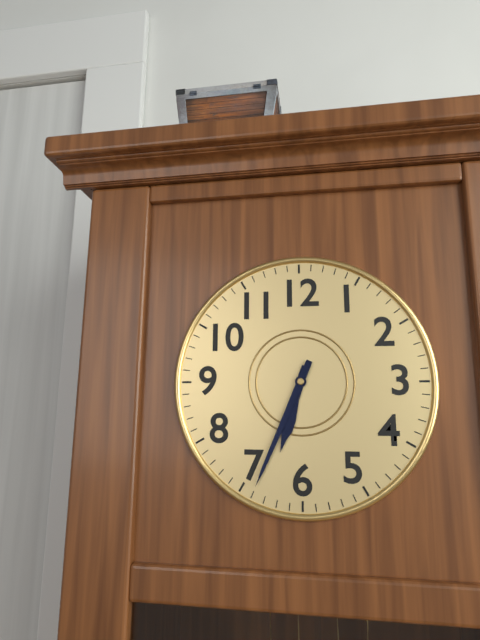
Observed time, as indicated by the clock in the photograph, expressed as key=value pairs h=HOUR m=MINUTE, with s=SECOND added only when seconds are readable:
h=6 m=34
